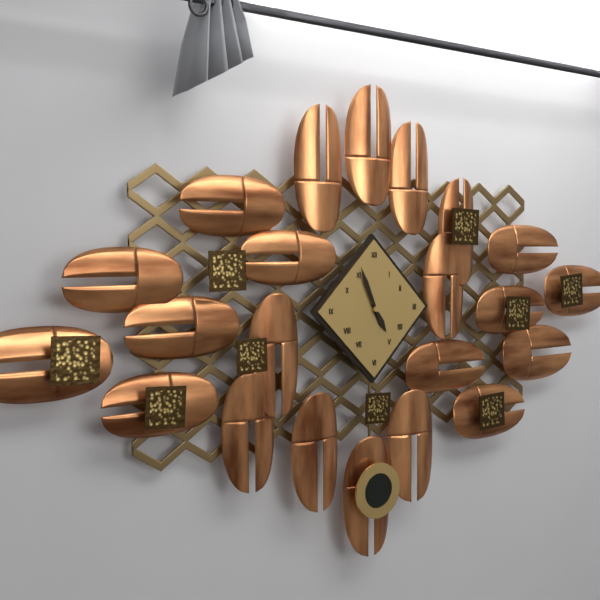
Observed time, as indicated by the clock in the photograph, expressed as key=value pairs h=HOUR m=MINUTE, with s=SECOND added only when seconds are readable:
h=4 m=56
